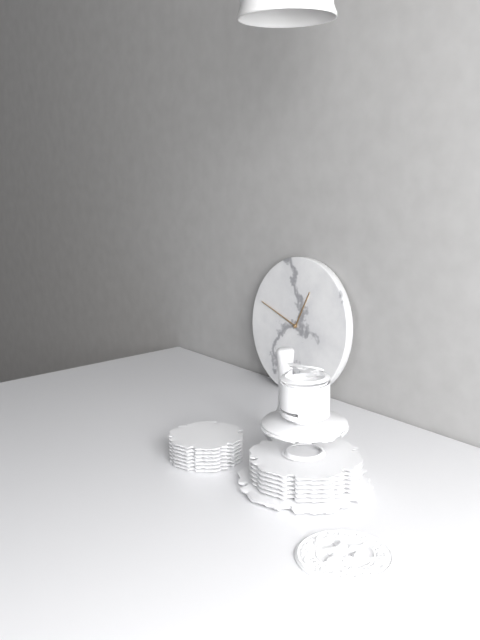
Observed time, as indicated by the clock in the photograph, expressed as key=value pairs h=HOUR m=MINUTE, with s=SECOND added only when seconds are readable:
h=12 m=48
